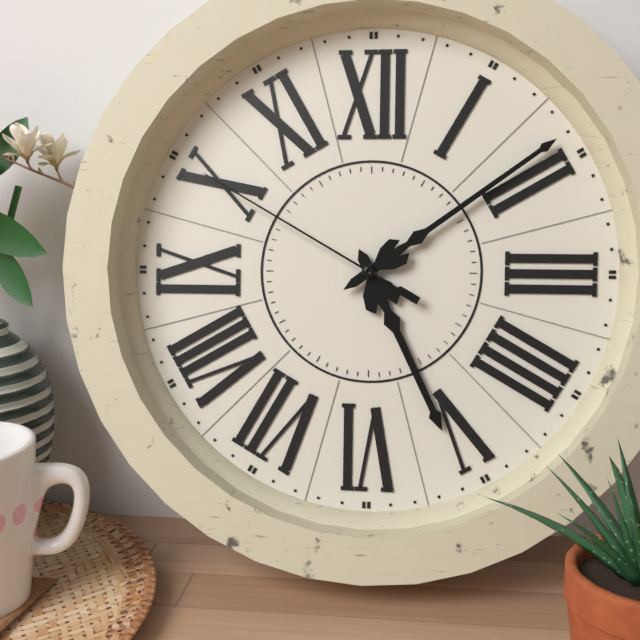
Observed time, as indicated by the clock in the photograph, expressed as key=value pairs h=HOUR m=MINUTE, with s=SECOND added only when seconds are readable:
h=5 m=9 s=50
